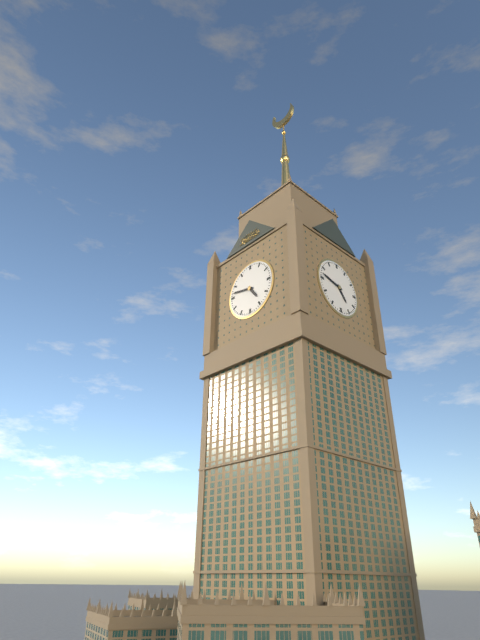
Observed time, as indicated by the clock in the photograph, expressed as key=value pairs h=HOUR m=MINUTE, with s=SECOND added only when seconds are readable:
h=4 m=47
